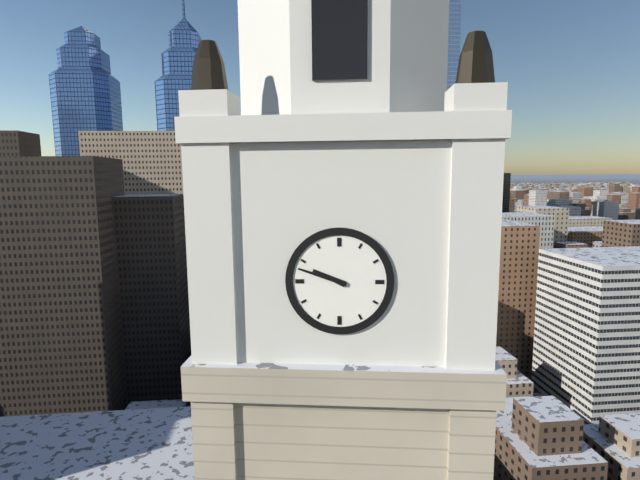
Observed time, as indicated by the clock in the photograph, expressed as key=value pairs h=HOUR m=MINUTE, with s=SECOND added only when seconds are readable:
h=9 m=48
